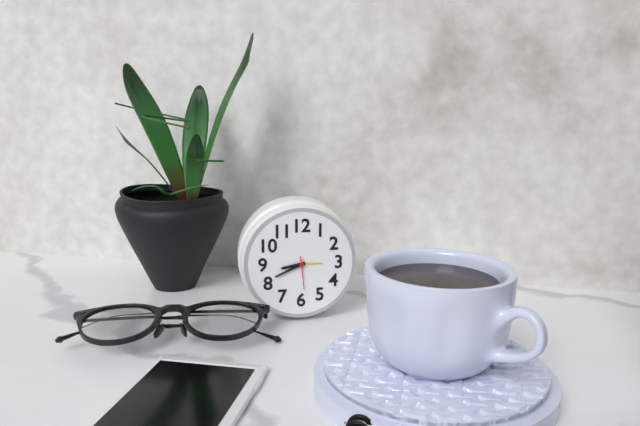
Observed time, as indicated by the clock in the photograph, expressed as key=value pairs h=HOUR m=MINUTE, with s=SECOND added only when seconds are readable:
h=8 m=41
